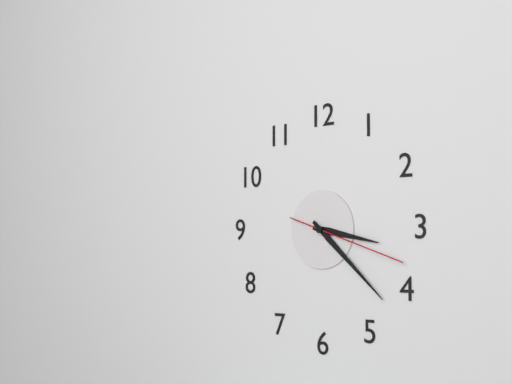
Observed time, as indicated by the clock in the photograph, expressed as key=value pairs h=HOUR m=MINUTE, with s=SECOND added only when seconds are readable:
h=3 m=22 s=18
